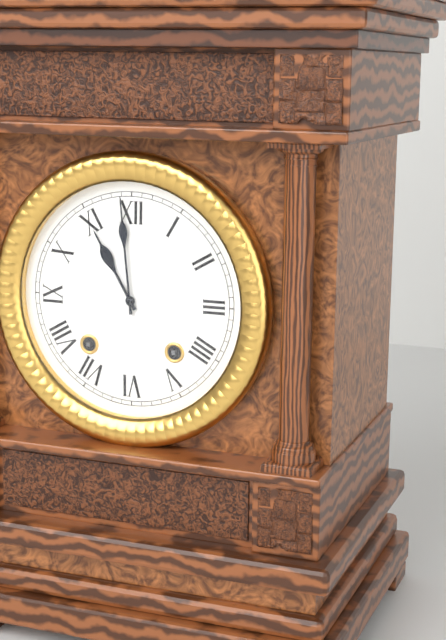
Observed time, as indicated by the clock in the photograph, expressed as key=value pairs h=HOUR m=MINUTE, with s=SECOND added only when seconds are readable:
h=10 m=59
